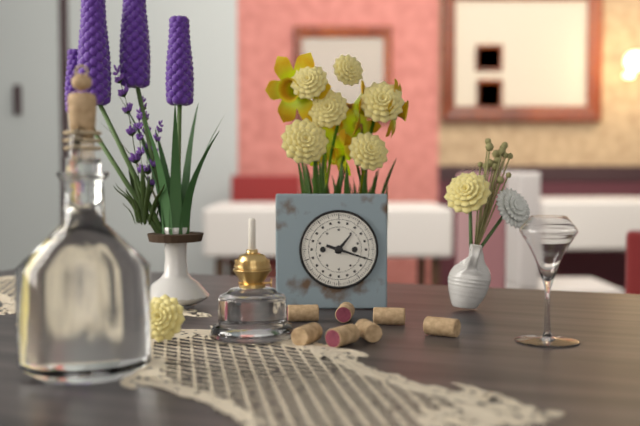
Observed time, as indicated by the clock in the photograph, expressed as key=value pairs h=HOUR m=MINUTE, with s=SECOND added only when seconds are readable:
h=1 m=18
